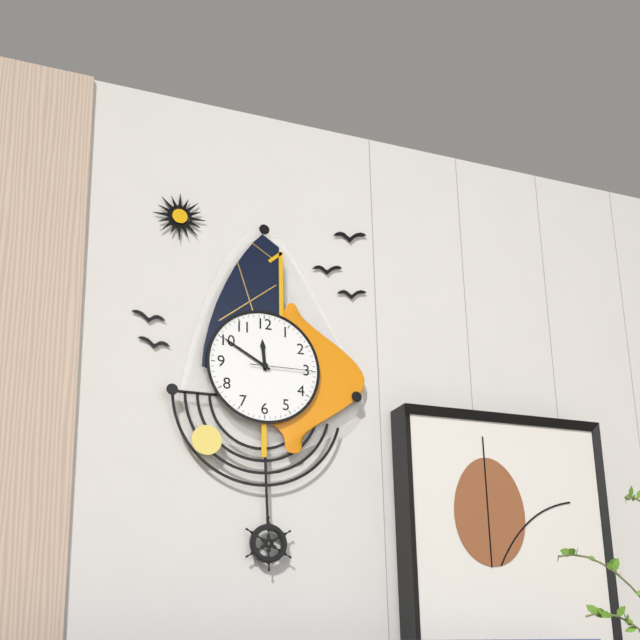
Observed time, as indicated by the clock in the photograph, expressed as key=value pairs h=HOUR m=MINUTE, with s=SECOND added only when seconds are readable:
h=11 m=50 s=15
